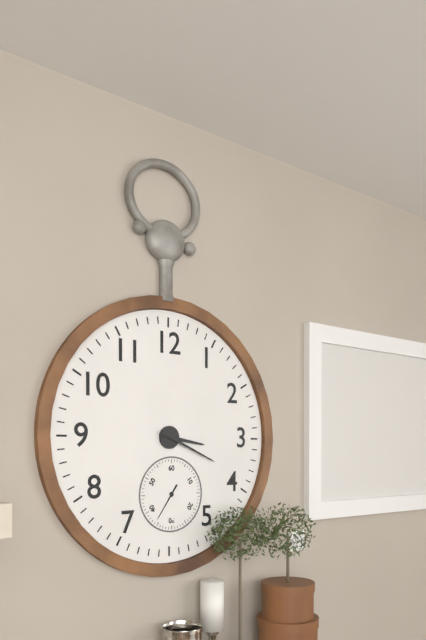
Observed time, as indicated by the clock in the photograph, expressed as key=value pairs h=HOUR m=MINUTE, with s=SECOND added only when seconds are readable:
h=3 m=19
